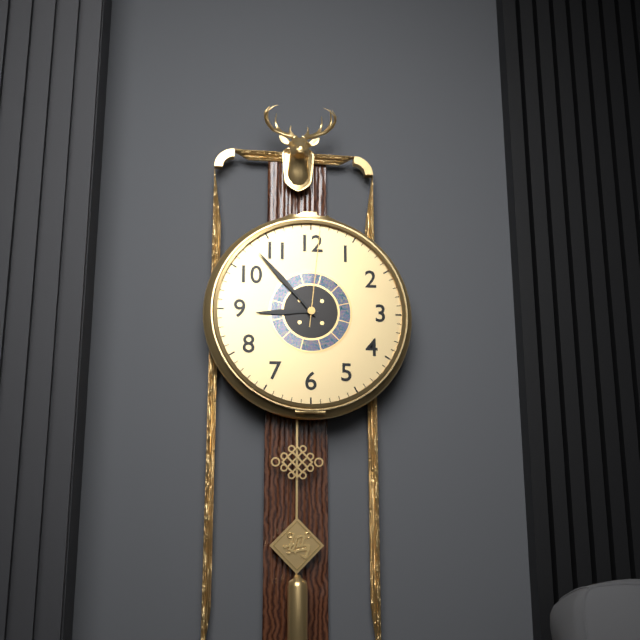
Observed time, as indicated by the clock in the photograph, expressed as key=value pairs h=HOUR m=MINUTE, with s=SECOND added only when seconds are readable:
h=8 m=53 s=1
